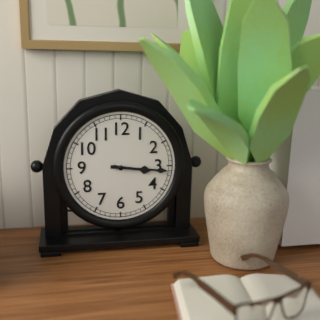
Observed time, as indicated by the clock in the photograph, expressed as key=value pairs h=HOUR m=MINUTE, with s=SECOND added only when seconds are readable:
h=3 m=16
